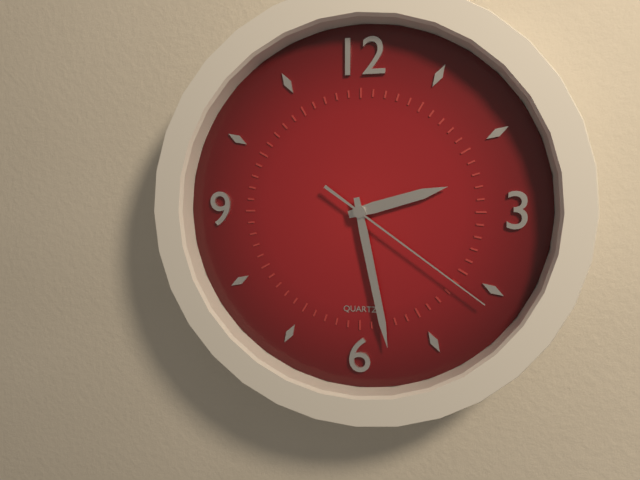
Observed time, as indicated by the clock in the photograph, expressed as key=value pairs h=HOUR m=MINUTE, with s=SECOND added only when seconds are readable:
h=2 m=28 s=21
